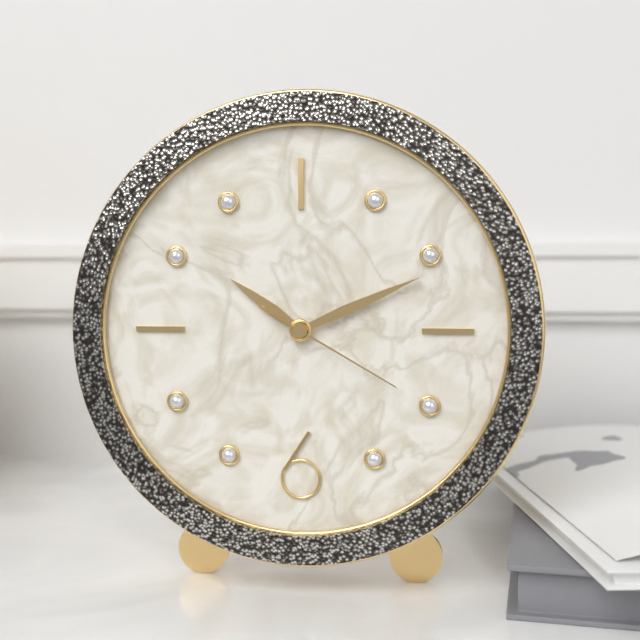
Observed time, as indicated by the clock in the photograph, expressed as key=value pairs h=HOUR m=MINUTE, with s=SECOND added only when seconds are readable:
h=10 m=11 s=20
